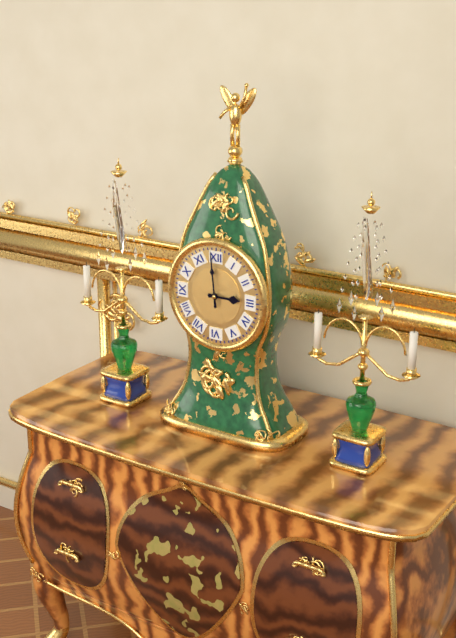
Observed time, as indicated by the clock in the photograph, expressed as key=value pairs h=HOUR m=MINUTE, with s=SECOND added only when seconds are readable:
h=2 m=59
